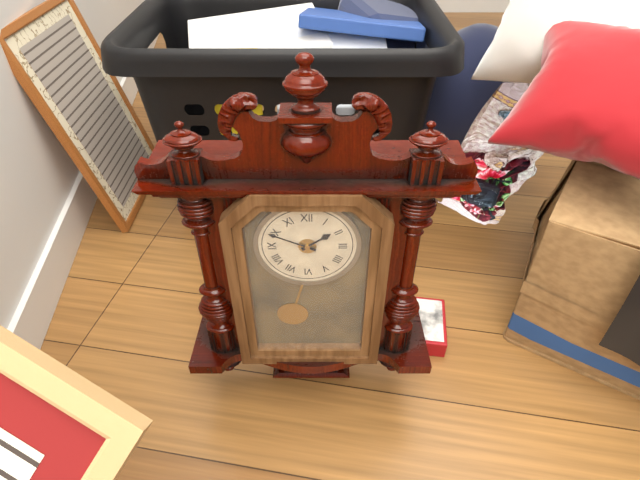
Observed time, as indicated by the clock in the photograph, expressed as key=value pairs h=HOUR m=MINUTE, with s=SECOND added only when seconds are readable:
h=1 m=49
